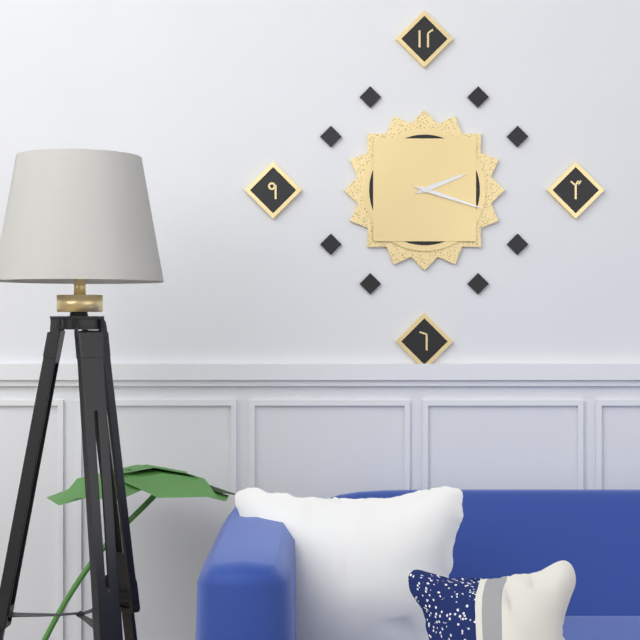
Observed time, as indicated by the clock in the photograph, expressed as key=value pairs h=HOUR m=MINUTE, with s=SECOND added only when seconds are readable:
h=2 m=18
